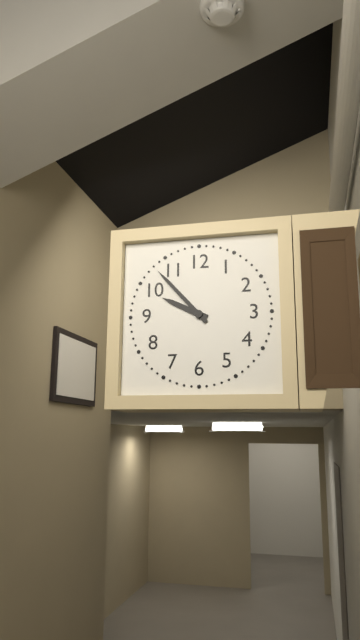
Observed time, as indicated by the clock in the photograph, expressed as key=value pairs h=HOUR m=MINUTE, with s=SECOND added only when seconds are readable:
h=9 m=53
